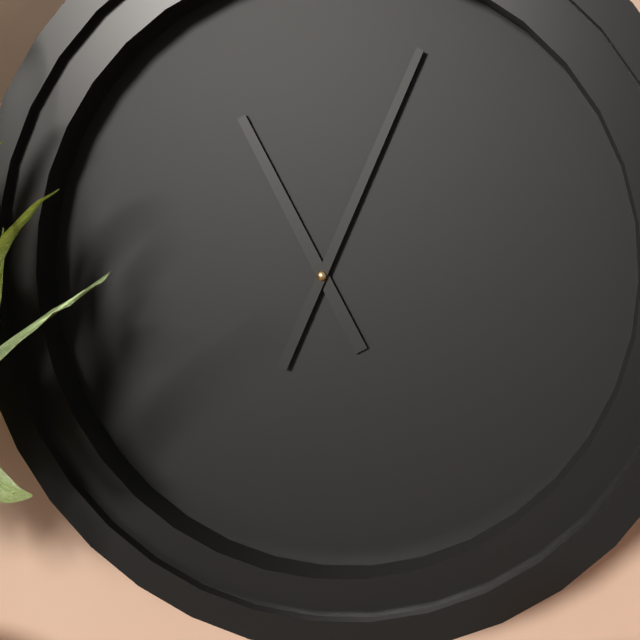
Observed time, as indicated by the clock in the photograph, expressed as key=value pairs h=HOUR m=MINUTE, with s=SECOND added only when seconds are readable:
h=11 m=4
